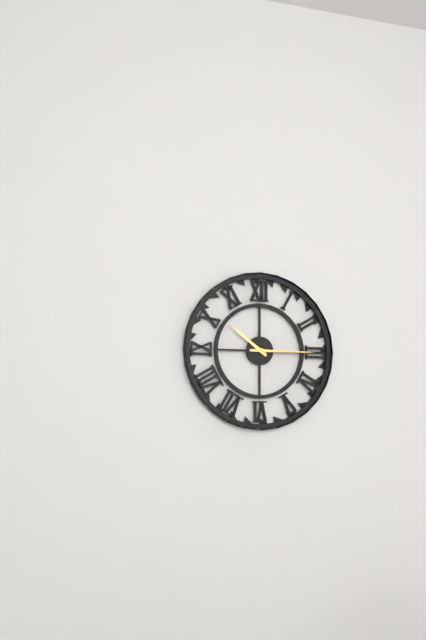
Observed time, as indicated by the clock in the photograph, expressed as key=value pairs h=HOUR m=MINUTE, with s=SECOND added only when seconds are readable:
h=10 m=15
